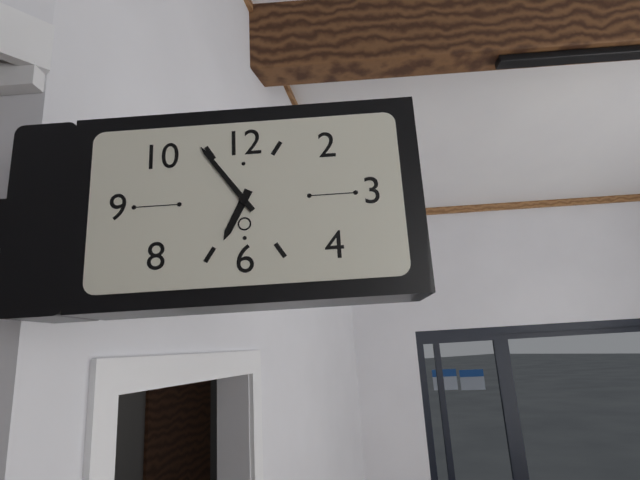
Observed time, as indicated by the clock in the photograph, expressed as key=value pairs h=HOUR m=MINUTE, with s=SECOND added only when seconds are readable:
h=6 m=54
